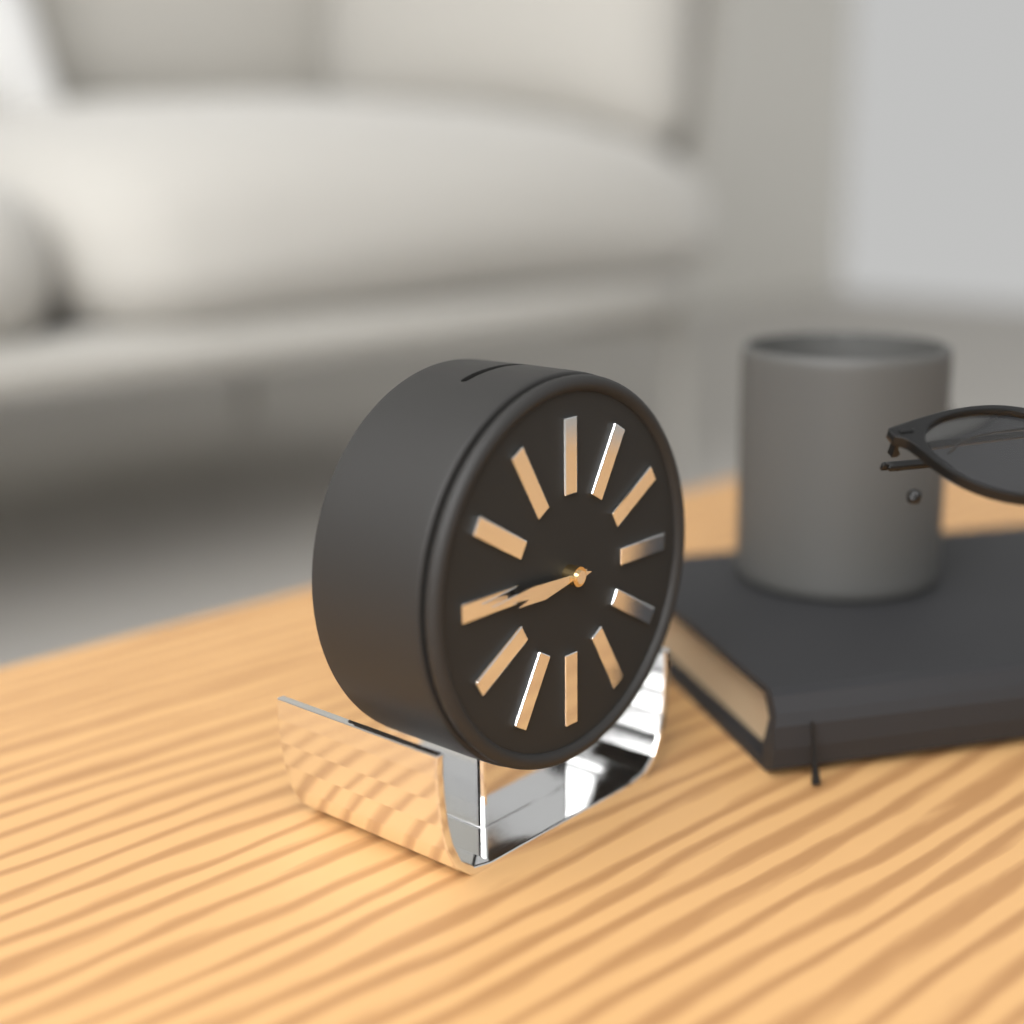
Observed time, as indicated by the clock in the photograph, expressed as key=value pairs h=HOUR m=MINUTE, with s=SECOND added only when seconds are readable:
h=8 m=45
